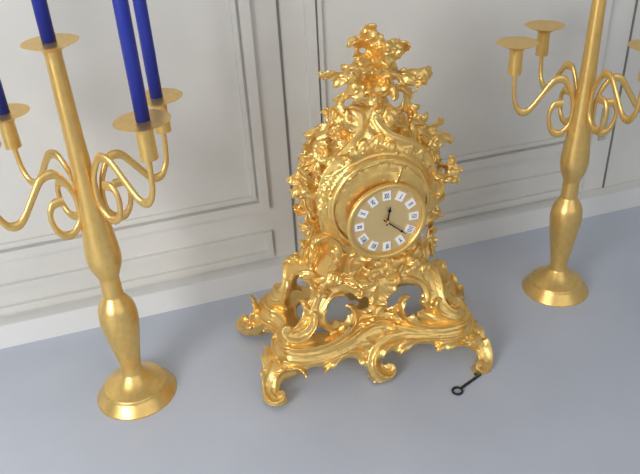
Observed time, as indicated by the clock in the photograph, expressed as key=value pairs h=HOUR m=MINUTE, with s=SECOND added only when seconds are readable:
h=12 m=22
